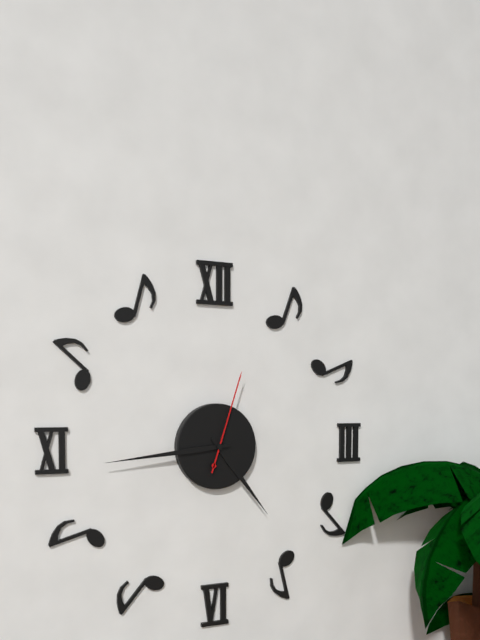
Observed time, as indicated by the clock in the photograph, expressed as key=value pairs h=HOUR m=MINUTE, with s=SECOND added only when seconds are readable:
h=4 m=44 s=3
